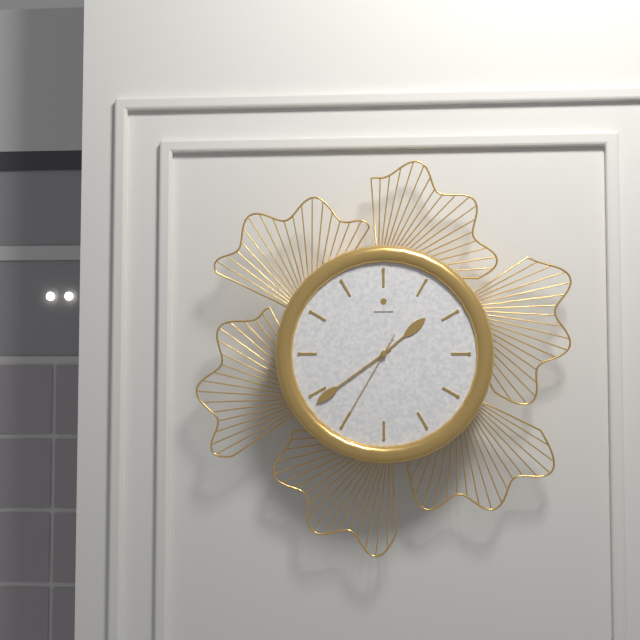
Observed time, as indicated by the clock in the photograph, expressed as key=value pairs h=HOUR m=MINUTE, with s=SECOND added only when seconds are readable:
h=1 m=39 s=35
